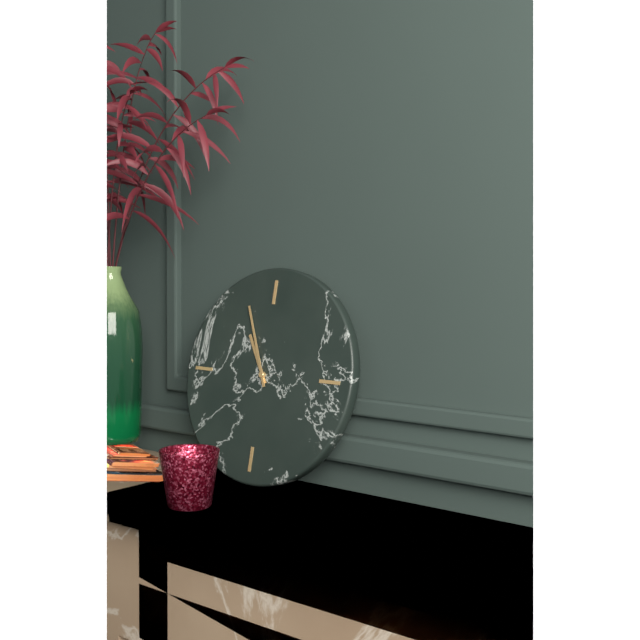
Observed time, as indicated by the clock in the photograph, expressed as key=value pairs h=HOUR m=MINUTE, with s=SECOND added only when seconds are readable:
h=10 m=56
